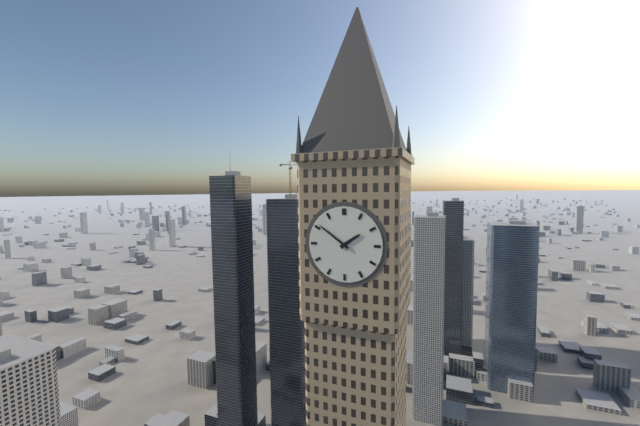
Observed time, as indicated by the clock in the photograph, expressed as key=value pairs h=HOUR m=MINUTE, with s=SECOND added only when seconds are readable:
h=1 m=51
